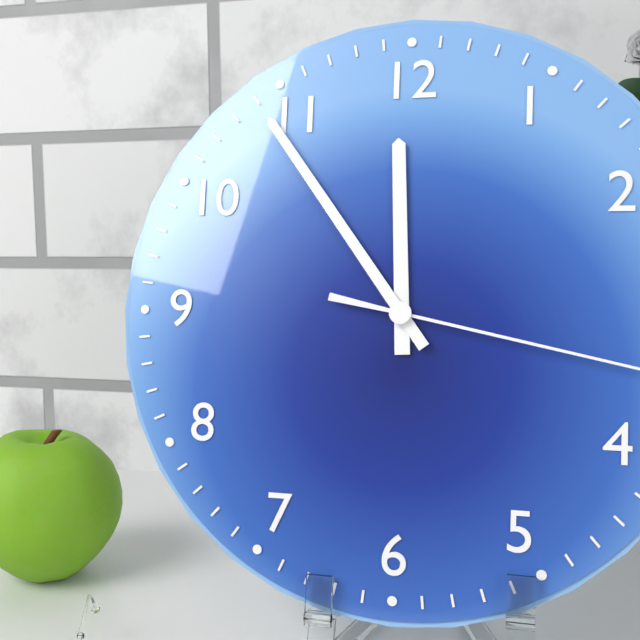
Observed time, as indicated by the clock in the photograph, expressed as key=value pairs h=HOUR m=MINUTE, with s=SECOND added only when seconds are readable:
h=11 m=54
